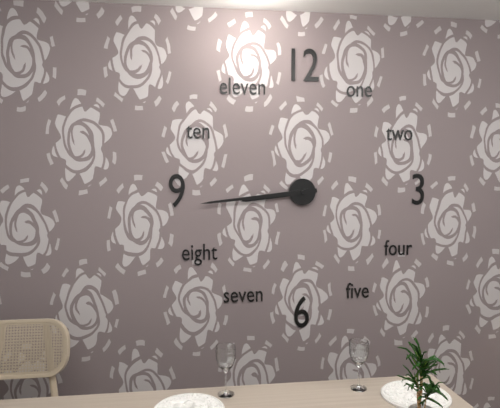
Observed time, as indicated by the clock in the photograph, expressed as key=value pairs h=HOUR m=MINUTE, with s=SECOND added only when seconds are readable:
h=8 m=44
